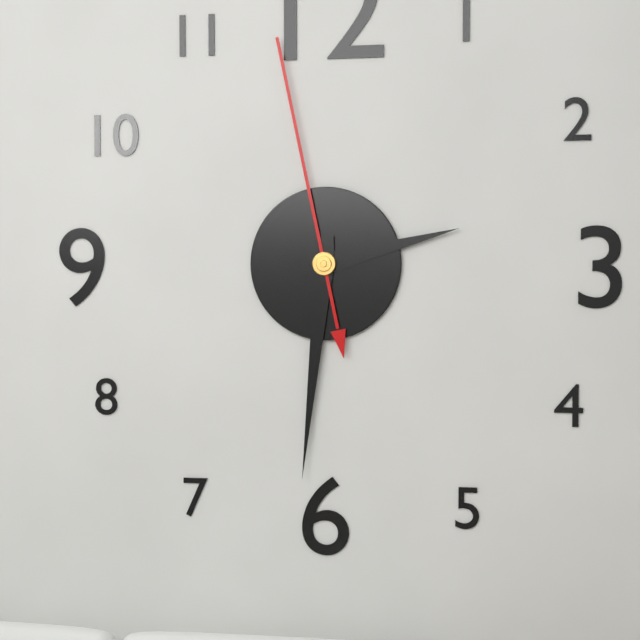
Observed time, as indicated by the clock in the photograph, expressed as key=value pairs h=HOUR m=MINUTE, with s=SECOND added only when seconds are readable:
h=2 m=31 s=58
